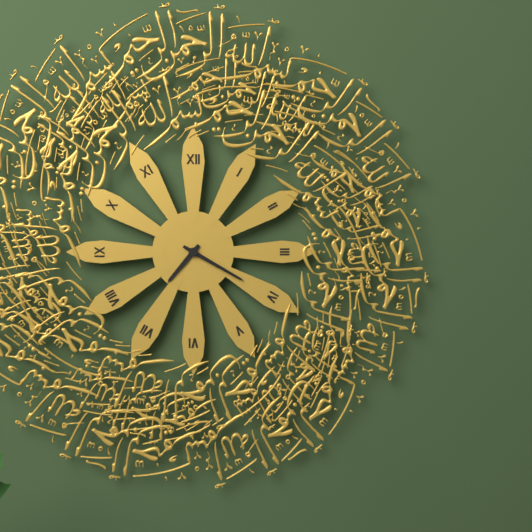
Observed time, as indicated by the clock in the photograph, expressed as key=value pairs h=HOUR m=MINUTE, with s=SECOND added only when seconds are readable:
h=7 m=20
